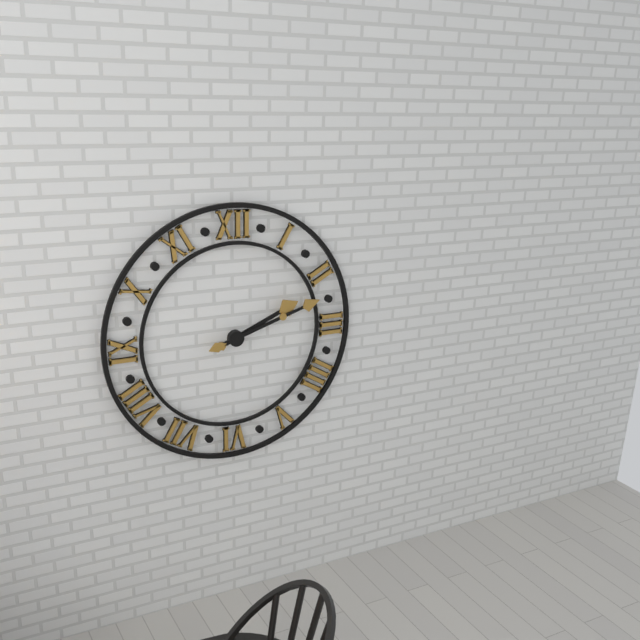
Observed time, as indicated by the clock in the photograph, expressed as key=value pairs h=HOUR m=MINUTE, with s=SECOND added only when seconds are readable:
h=2 m=12
